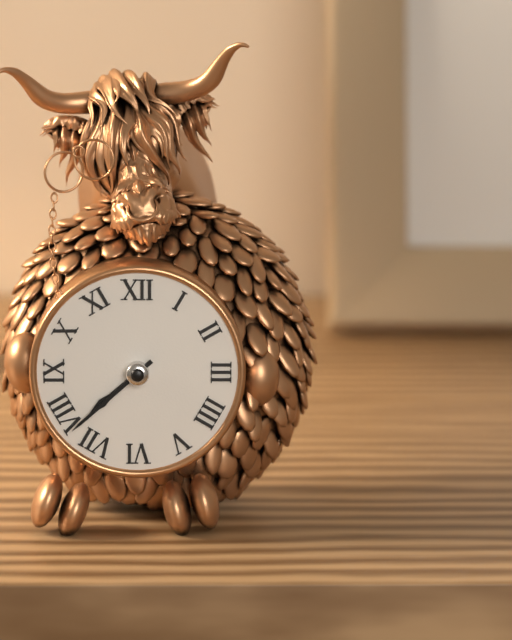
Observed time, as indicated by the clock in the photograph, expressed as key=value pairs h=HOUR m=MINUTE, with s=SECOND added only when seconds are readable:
h=7 m=38
